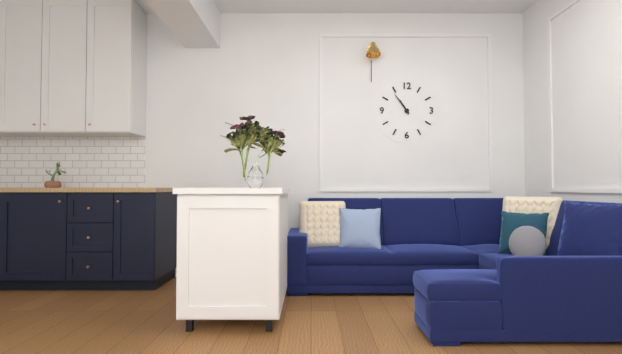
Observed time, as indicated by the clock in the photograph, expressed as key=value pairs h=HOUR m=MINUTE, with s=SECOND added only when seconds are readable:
h=10 m=54
